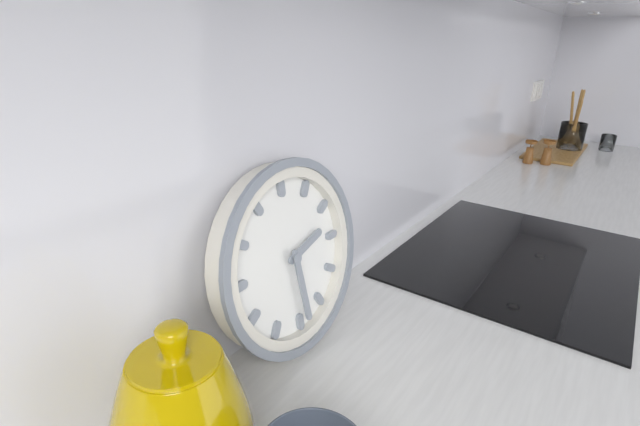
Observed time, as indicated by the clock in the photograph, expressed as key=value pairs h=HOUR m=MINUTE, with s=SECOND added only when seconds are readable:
h=2 m=29
